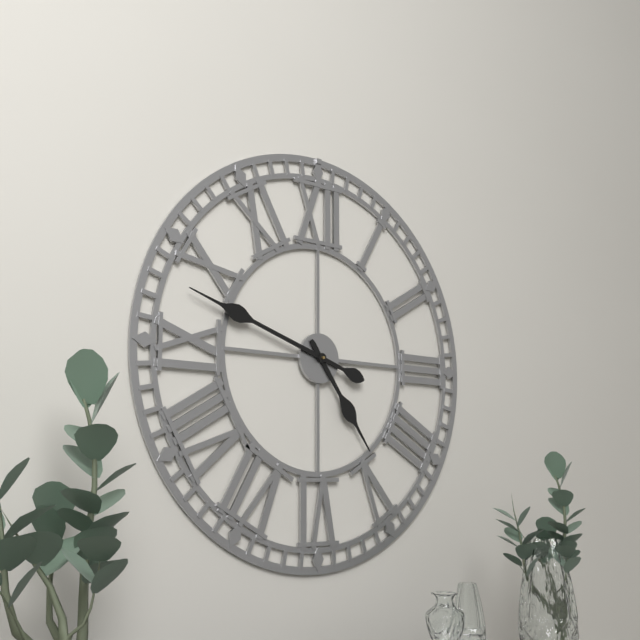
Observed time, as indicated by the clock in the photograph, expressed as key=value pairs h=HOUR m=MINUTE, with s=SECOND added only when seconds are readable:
h=4 m=48
